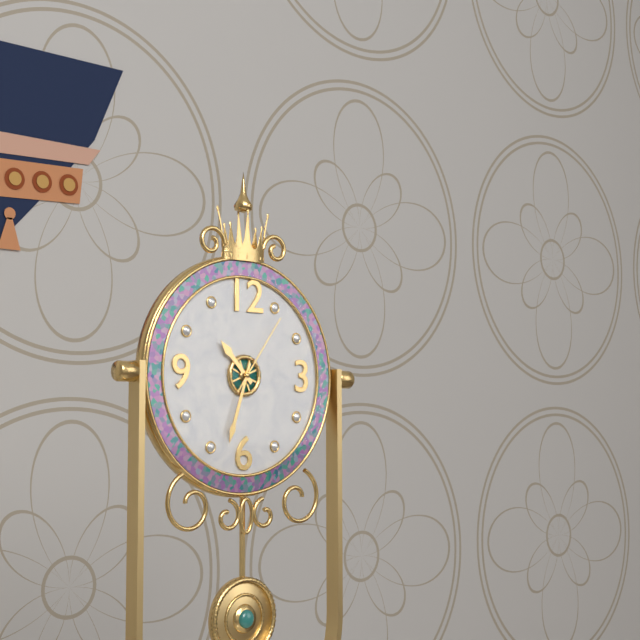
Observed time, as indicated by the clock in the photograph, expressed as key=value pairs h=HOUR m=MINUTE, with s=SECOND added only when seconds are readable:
h=10 m=33 s=6
